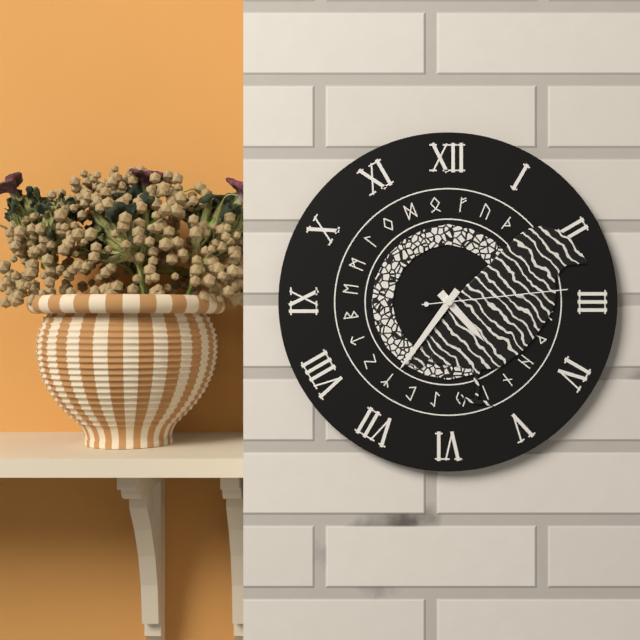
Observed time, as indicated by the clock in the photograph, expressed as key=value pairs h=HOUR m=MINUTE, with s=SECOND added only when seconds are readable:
h=4 m=36 s=14
